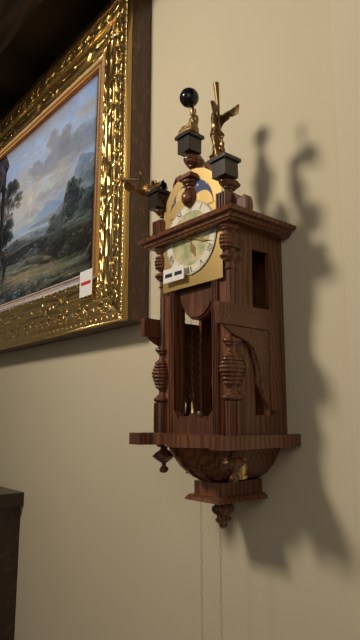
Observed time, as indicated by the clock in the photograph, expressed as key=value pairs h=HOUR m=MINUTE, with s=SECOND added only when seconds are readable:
h=5 m=18
